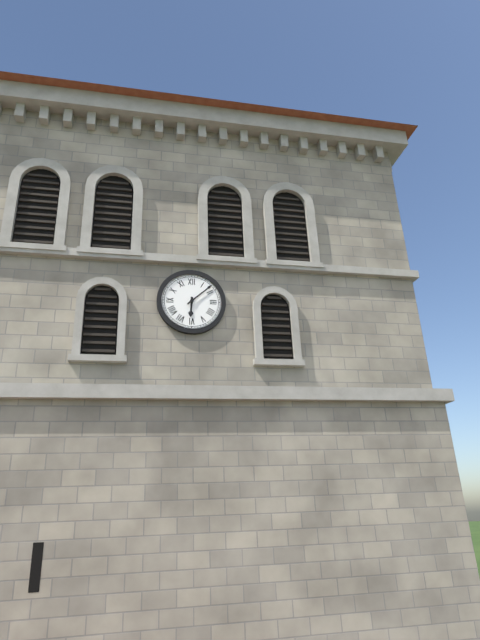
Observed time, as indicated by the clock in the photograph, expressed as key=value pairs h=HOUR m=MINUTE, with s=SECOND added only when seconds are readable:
h=6 m=8
